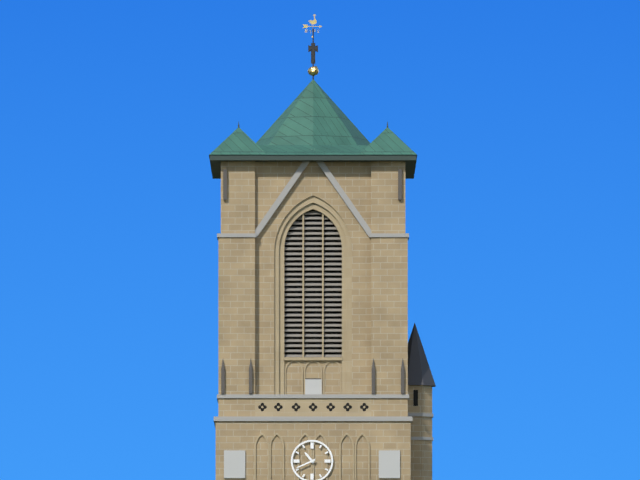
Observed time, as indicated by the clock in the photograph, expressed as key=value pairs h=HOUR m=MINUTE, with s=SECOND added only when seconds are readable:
h=10 m=41
